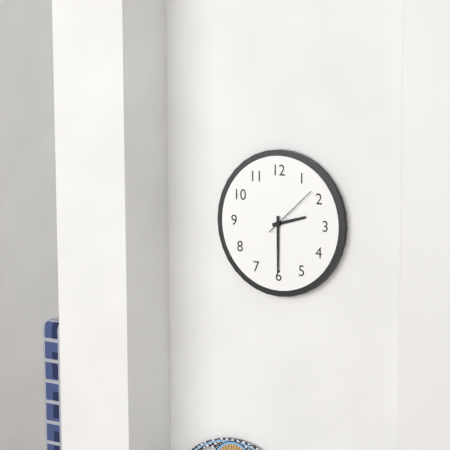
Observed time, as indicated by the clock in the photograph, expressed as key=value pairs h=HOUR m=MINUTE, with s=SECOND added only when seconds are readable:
h=2 m=30 s=8
